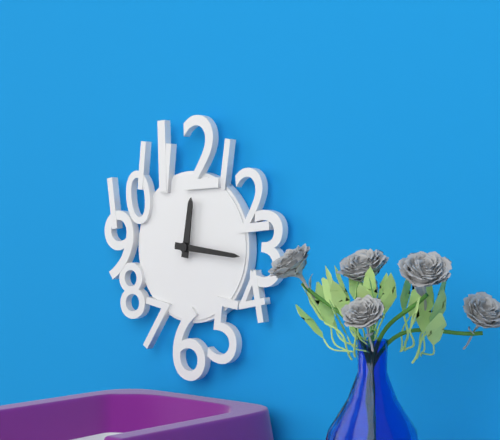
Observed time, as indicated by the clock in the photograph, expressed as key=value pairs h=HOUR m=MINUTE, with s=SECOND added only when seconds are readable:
h=12 m=16
